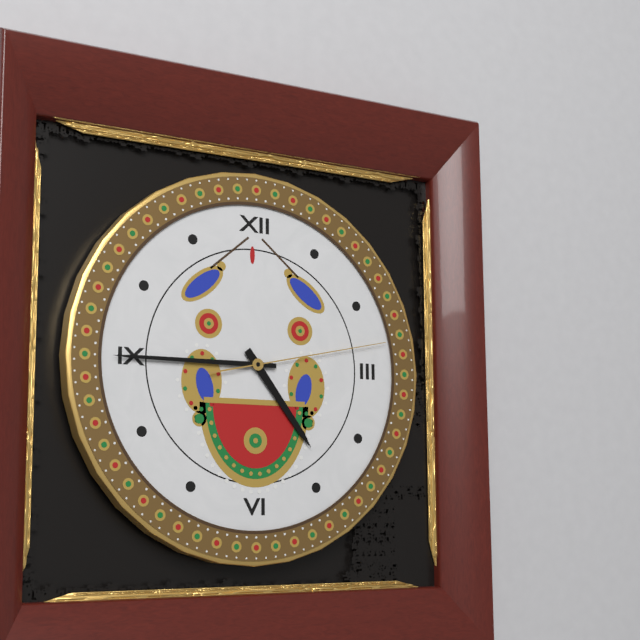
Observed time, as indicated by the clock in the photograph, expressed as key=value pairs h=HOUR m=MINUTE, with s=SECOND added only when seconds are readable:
h=4 m=45 s=13
